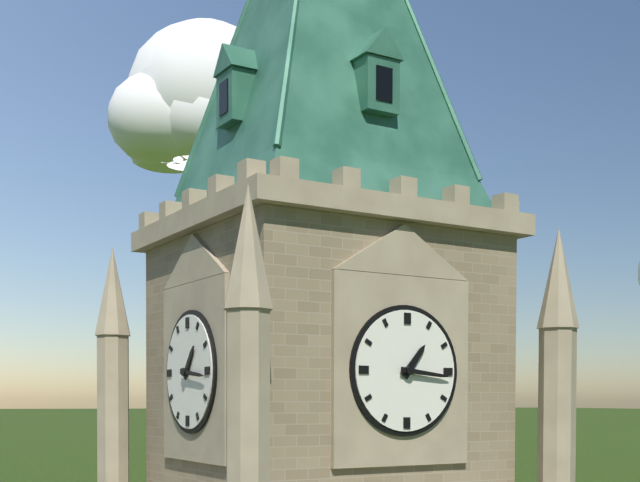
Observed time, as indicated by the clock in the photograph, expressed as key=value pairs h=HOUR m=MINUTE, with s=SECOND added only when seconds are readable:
h=1 m=16
